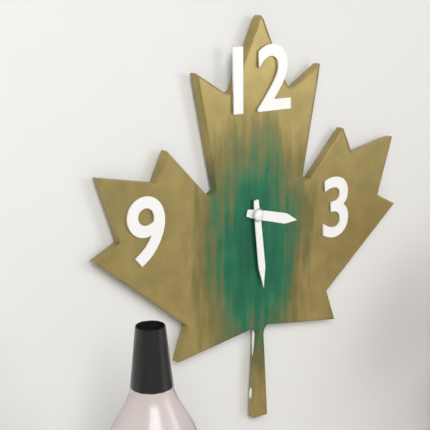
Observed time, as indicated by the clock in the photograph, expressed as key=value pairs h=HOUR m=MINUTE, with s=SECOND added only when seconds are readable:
h=3 m=29
